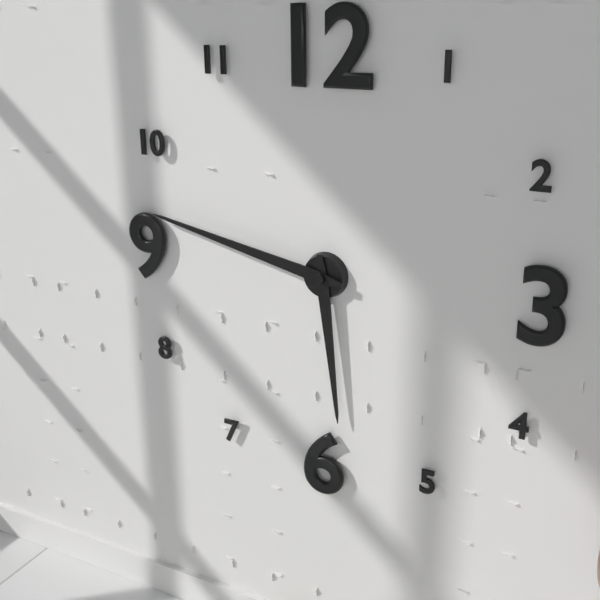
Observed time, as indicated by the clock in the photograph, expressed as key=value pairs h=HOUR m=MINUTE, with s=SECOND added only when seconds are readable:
h=5 m=47
